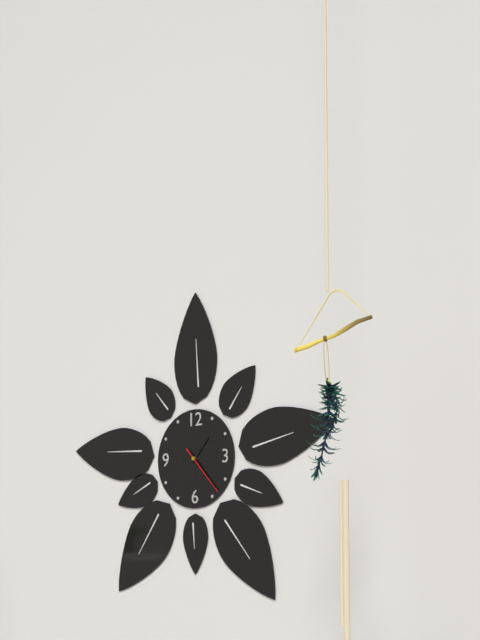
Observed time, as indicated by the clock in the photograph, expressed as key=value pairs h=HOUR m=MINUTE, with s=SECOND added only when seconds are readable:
h=1 m=23
